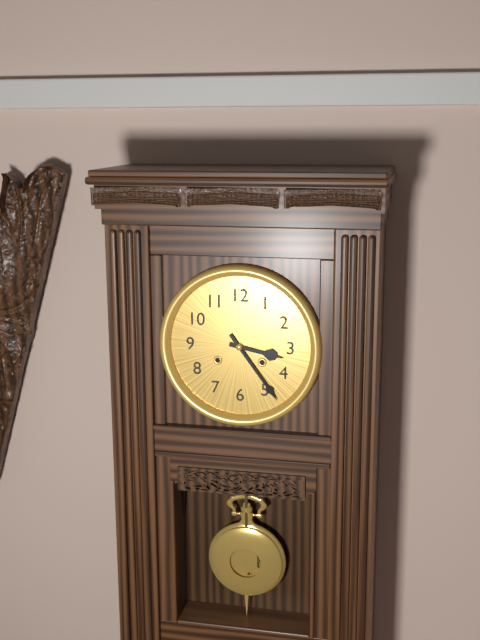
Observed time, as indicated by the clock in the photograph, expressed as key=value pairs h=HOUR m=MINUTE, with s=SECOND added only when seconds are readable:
h=3 m=24
